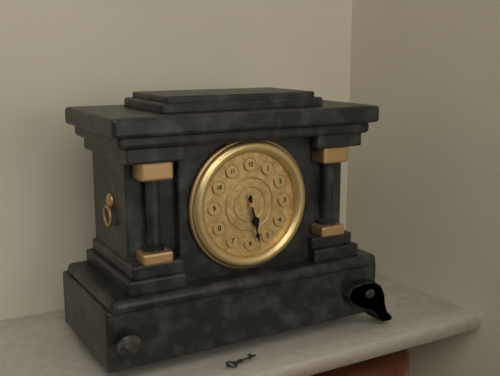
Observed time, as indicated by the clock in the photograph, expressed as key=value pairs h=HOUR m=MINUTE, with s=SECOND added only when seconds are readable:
h=5 m=28
